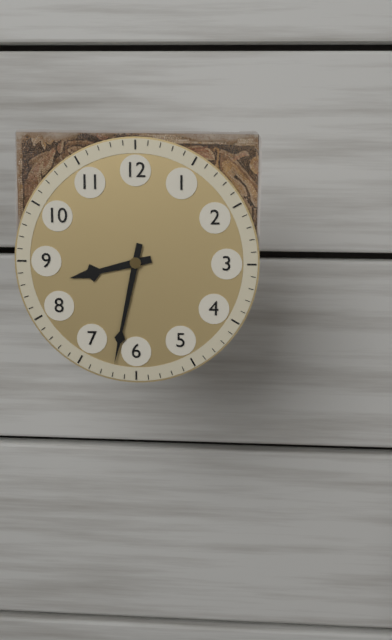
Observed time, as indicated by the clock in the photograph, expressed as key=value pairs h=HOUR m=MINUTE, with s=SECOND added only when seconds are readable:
h=8 m=32
